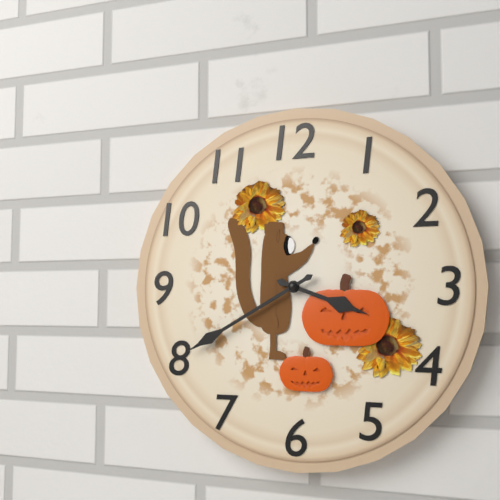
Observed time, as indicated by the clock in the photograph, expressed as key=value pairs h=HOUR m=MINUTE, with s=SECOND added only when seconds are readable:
h=3 m=40
